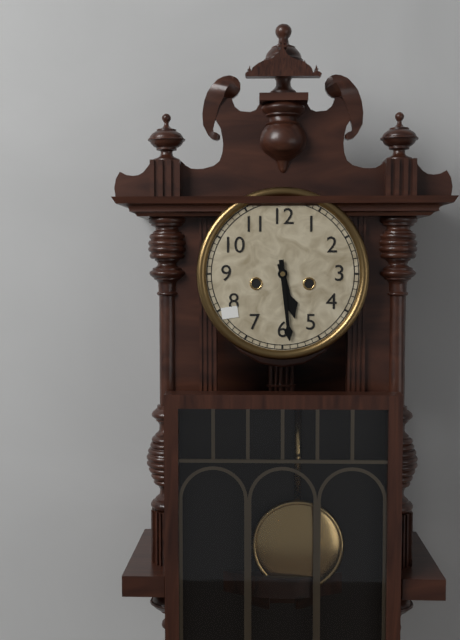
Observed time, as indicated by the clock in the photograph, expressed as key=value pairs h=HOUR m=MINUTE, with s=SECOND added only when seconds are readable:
h=5 m=29
